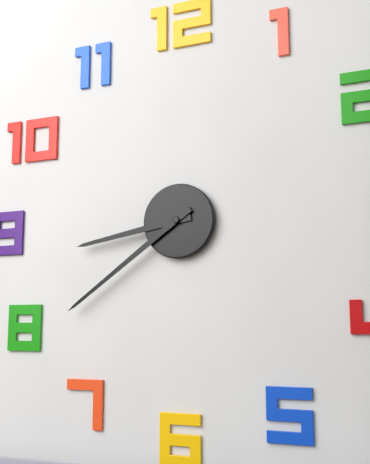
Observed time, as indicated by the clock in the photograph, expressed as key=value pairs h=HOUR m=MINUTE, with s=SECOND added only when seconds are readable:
h=8 m=39
